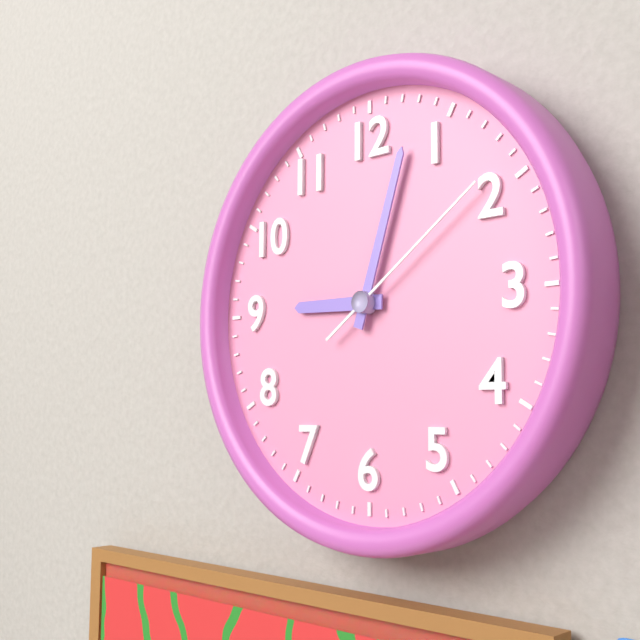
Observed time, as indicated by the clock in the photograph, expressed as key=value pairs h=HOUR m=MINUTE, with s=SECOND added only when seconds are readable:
h=9 m=3 s=9
